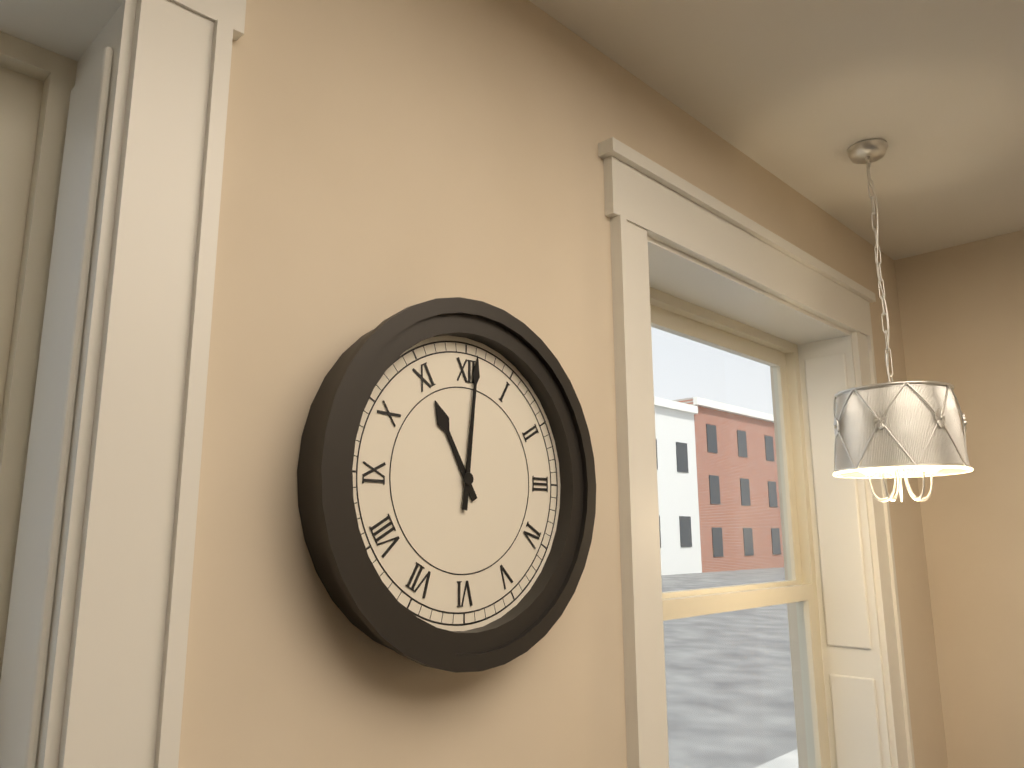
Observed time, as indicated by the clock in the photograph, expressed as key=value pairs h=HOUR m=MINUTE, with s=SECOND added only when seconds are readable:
h=11 m=1
